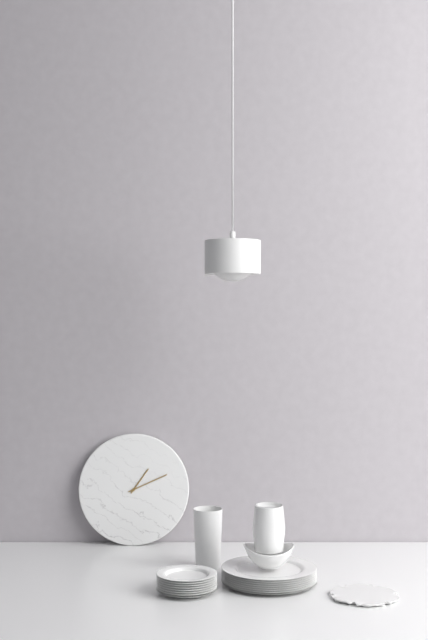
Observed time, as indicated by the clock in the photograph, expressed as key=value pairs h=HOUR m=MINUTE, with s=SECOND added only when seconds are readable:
h=1 m=11
